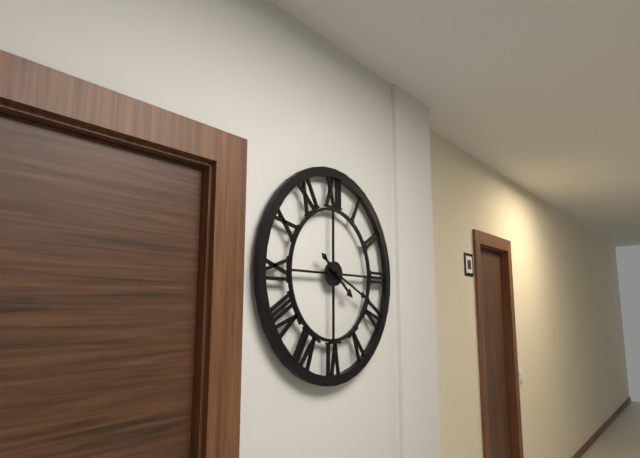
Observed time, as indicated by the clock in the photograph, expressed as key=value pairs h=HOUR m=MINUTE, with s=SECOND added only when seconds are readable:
h=4 m=19
